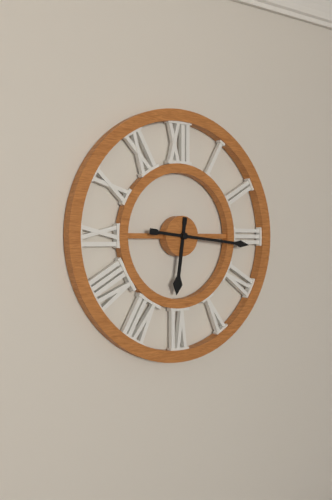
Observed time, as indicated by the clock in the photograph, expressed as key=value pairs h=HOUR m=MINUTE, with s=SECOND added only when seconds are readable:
h=6 m=16
